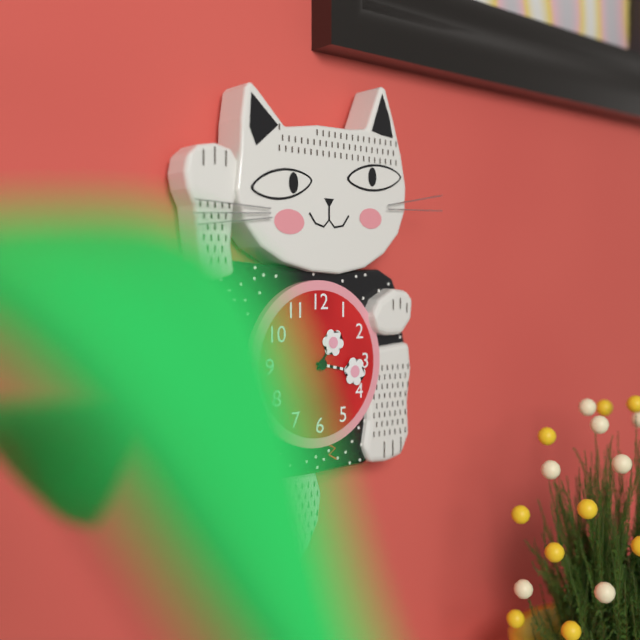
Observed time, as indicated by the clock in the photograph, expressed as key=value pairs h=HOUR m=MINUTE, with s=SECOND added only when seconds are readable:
h=1 m=17
